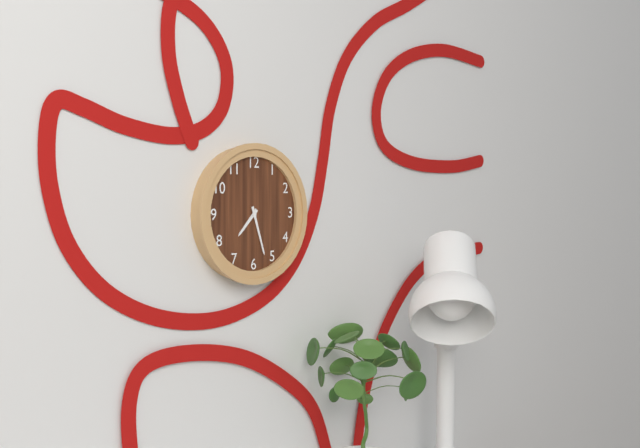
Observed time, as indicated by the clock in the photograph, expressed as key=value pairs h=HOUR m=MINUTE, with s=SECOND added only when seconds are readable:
h=7 m=27
